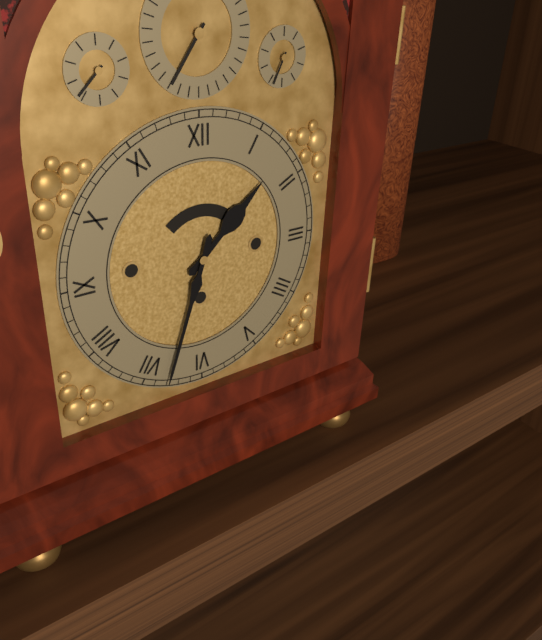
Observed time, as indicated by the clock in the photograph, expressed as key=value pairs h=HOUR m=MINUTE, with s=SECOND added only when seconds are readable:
h=1 m=33
